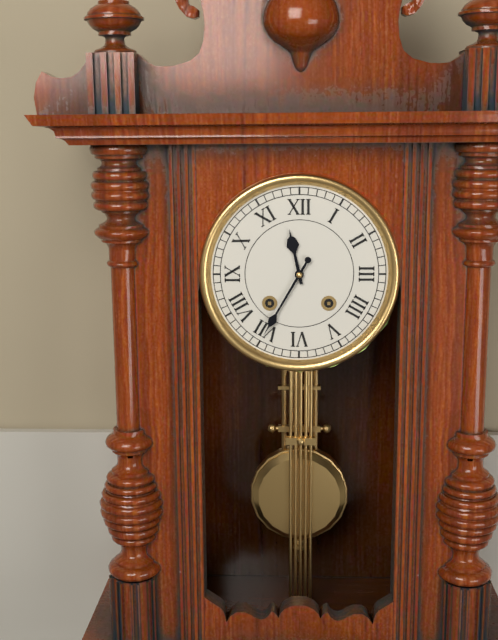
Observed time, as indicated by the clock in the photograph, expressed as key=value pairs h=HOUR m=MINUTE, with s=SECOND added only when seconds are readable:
h=11 m=35
